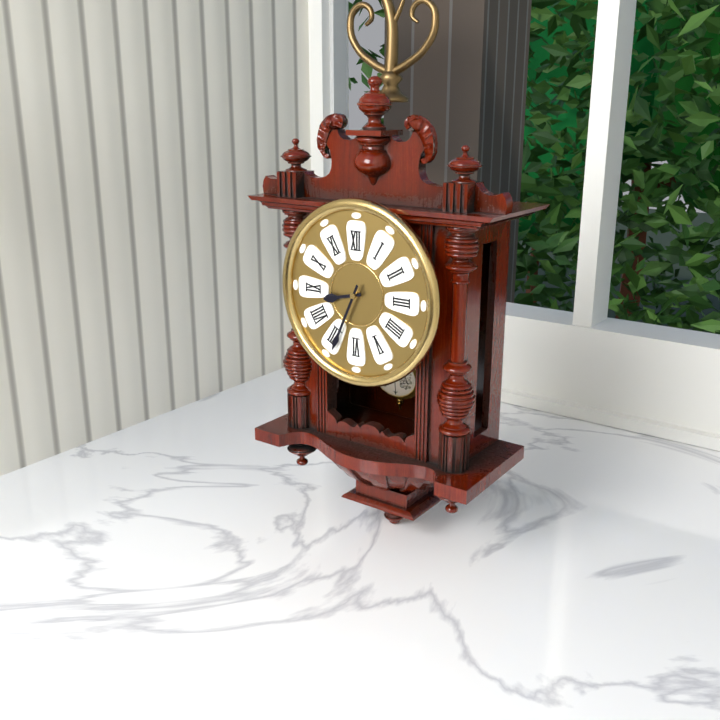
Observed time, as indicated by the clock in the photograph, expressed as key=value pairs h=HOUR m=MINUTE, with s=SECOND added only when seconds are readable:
h=8 m=34
